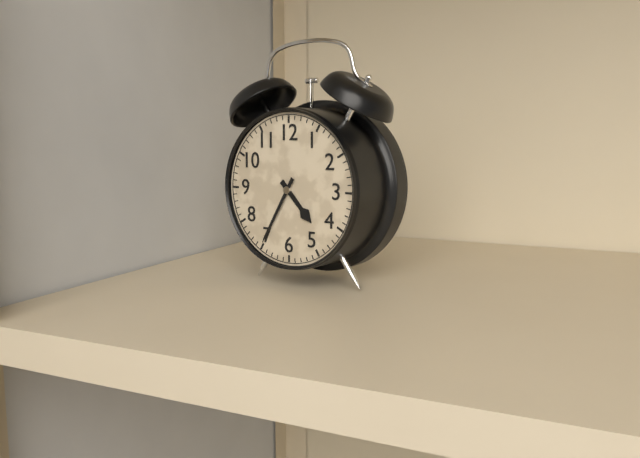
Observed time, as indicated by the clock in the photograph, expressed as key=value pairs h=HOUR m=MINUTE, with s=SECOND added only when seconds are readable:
h=4 m=35
